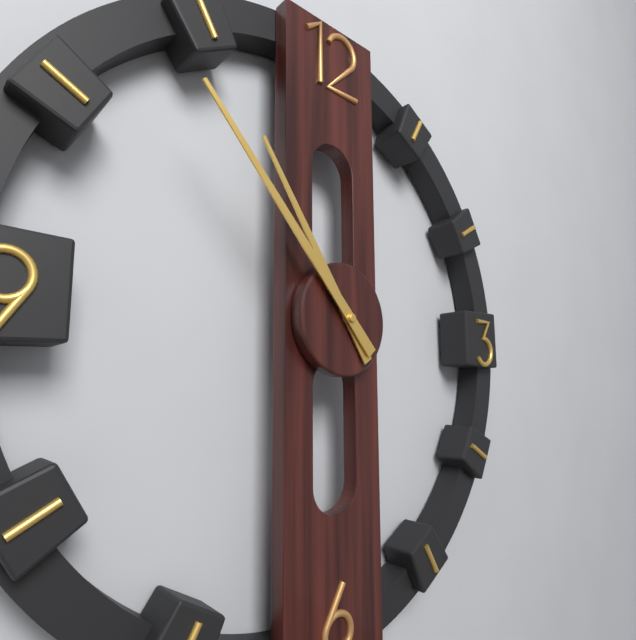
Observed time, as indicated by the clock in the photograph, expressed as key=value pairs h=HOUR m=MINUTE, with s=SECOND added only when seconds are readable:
h=10 m=53
